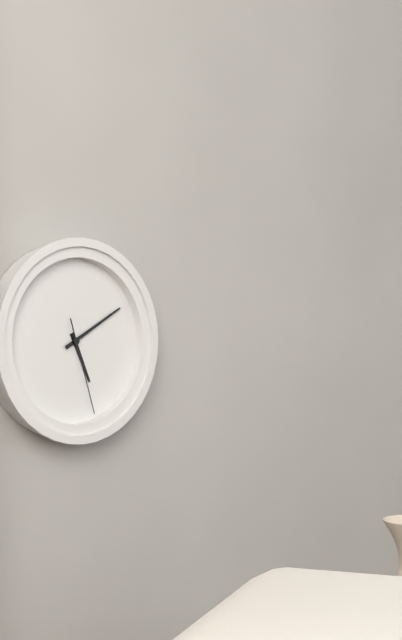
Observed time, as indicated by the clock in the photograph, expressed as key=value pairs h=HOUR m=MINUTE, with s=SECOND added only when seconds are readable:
h=5 m=10 s=27
